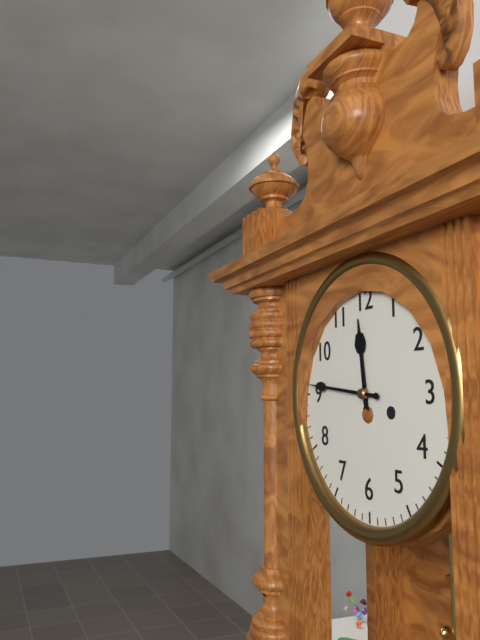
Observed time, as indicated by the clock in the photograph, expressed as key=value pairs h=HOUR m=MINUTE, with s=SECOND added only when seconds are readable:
h=11 m=46
